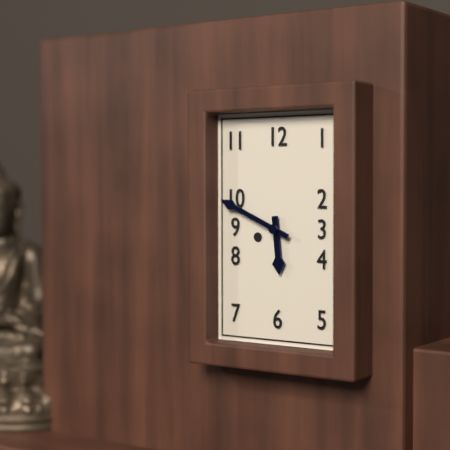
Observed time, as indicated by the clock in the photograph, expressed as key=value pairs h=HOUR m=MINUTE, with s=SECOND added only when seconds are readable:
h=5 m=49
